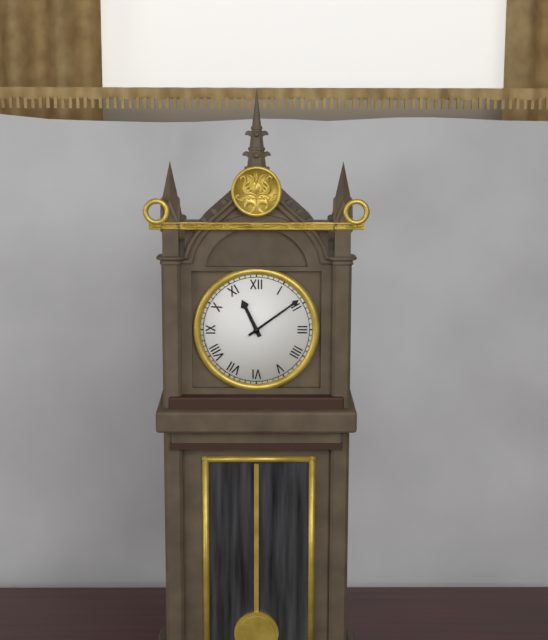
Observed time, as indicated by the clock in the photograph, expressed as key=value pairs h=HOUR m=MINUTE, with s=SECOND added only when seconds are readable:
h=11 m=9
